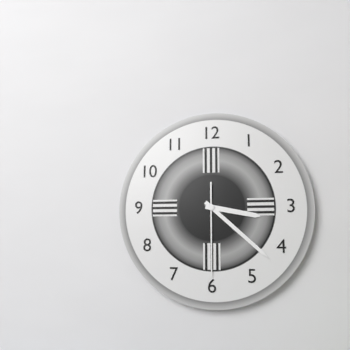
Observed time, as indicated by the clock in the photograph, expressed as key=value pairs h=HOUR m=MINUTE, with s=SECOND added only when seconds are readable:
h=3 m=22 s=30
